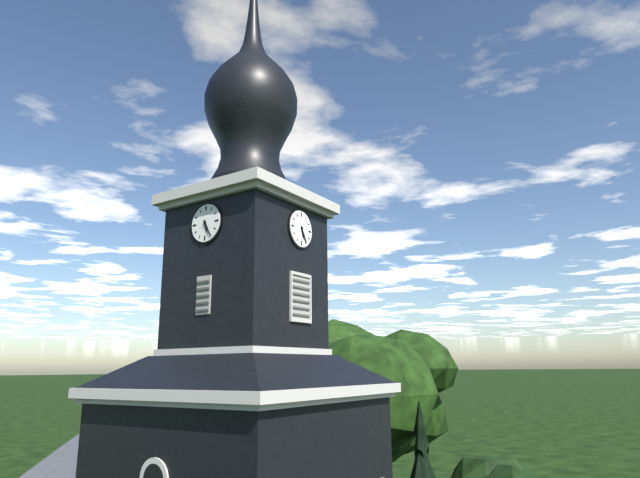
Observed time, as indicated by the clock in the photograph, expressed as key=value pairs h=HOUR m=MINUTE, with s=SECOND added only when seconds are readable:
h=5 m=25
